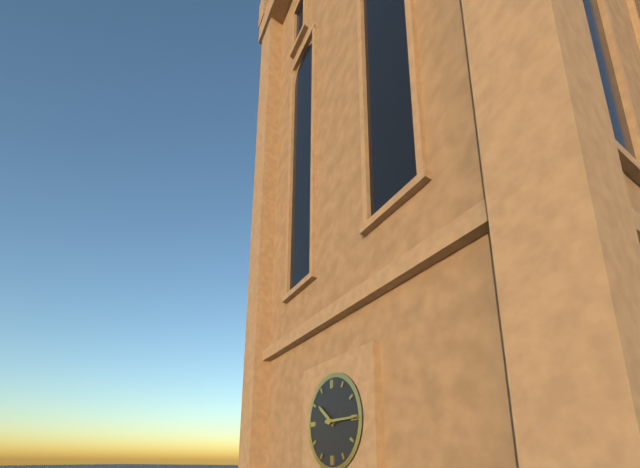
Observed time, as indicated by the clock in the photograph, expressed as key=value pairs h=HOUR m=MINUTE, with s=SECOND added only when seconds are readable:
h=10 m=15
